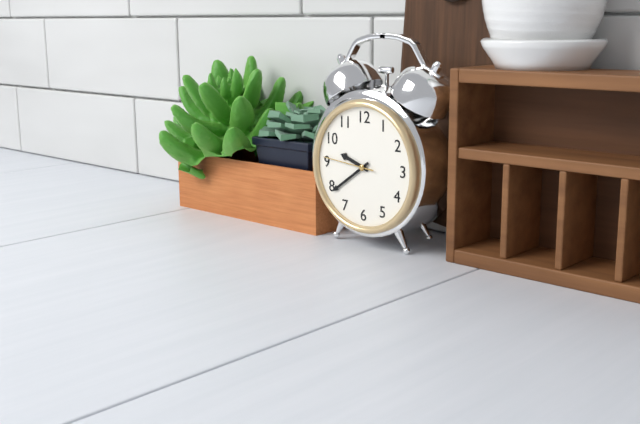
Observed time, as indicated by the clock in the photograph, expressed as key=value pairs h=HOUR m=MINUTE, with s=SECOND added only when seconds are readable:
h=9 m=39 s=46
